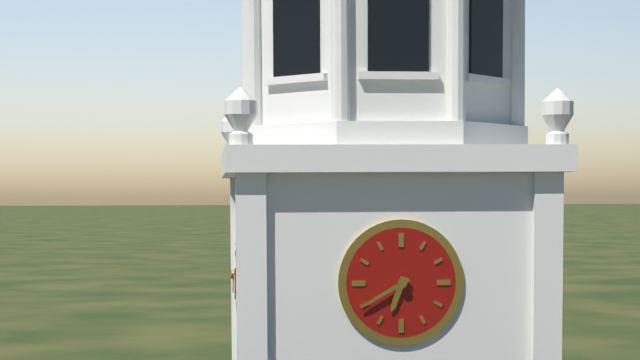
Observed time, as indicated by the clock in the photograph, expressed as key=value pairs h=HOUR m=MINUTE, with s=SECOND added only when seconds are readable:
h=6 m=40
